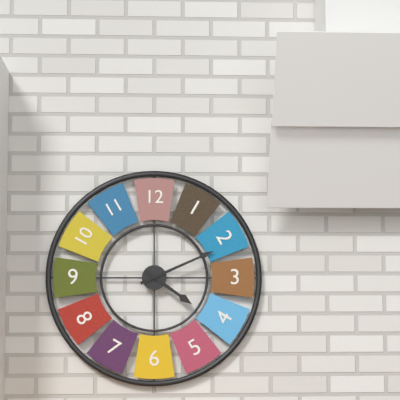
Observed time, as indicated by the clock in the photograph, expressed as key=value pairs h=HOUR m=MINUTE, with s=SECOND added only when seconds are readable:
h=4 m=11
